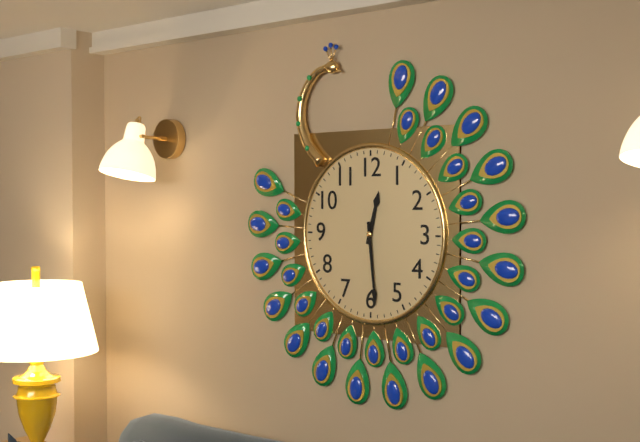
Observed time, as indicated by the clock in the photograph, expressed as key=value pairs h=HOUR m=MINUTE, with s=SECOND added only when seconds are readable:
h=12 m=29
